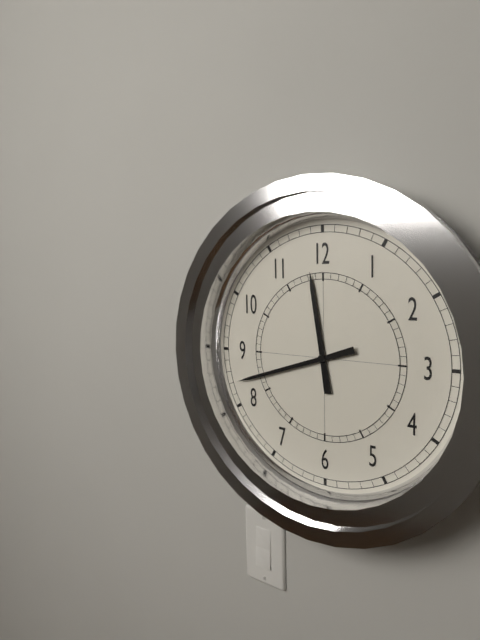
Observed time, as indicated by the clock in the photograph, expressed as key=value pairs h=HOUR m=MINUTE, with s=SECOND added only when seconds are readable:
h=11 m=42
